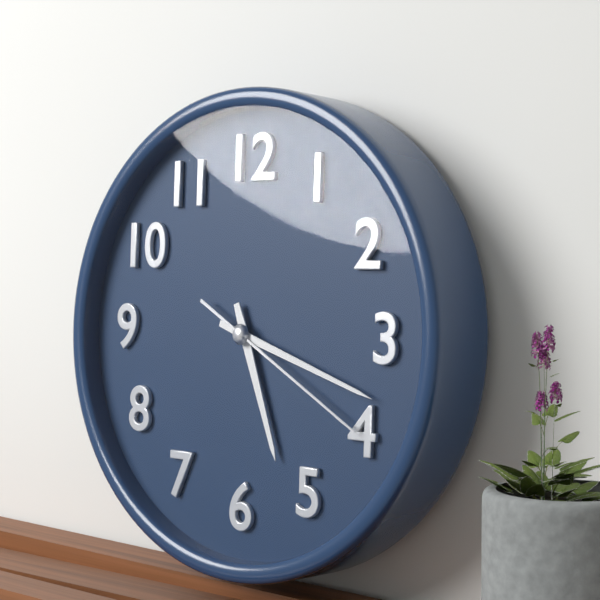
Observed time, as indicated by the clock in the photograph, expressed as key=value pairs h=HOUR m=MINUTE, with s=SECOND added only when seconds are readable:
h=5 m=18 s=20
